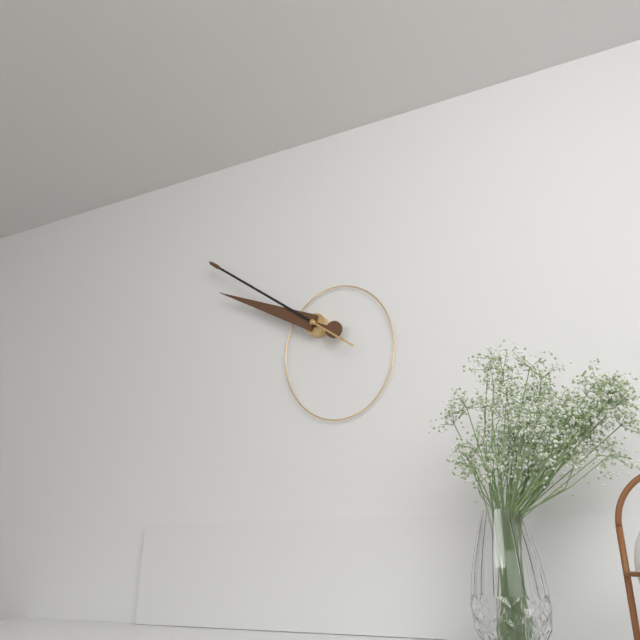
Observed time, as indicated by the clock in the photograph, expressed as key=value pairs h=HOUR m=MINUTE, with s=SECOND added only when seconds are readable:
h=9 m=51
